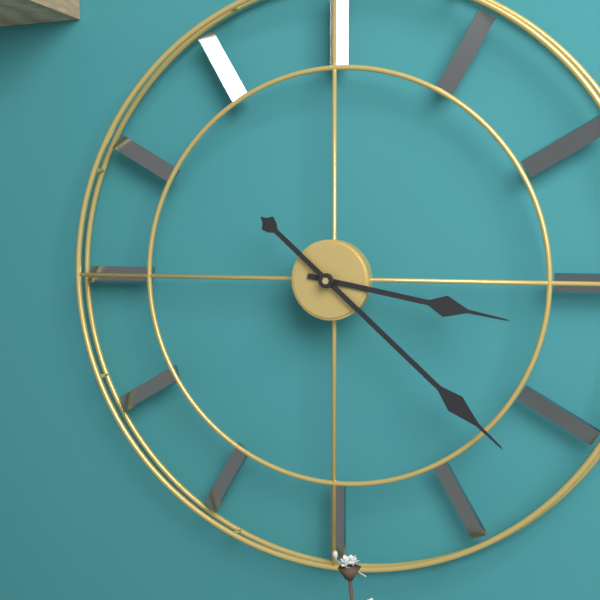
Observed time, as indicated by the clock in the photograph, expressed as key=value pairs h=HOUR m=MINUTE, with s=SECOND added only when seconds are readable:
h=3 m=22
